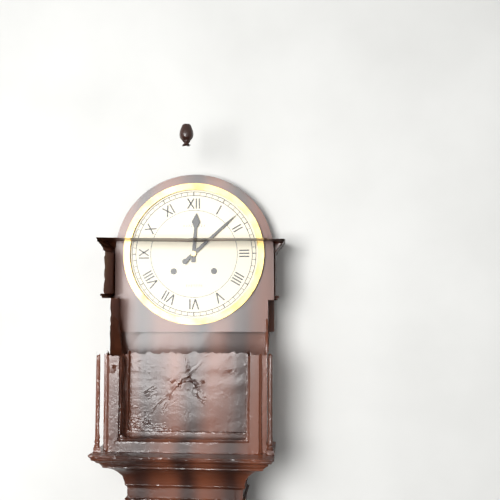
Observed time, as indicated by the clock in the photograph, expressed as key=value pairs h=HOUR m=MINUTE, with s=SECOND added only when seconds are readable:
h=12 m=8
